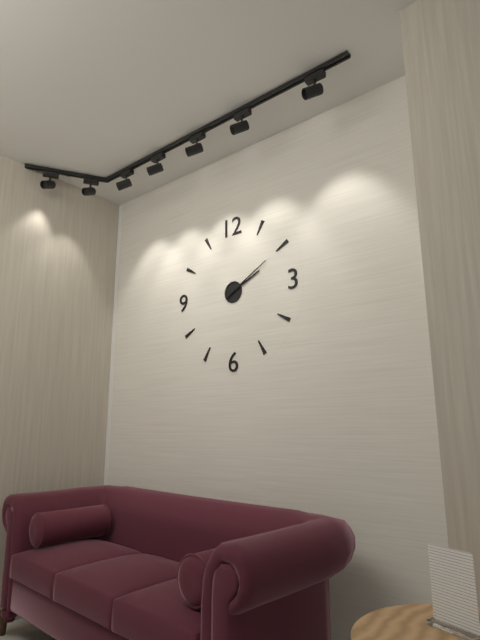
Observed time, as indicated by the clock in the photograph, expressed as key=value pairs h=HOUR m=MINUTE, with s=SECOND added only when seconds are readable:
h=2 m=10
